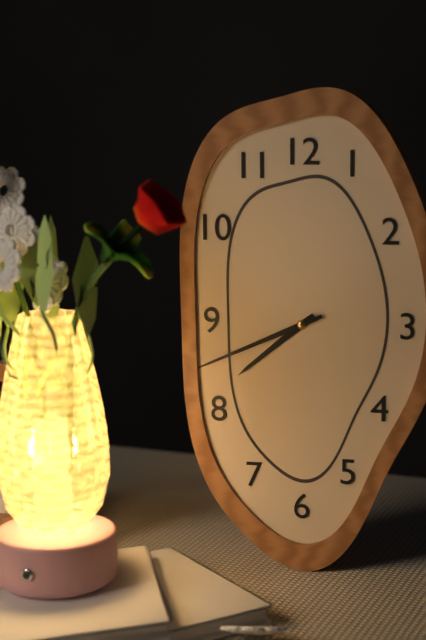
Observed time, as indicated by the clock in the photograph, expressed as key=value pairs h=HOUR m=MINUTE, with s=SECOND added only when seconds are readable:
h=7 m=41
